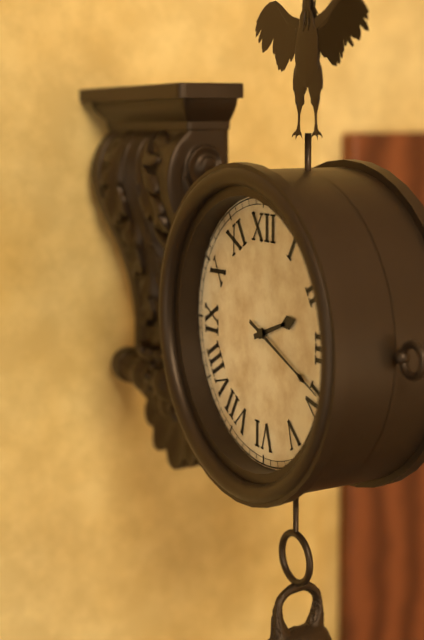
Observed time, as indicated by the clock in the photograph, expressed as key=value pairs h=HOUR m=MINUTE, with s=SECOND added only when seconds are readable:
h=2 m=19
